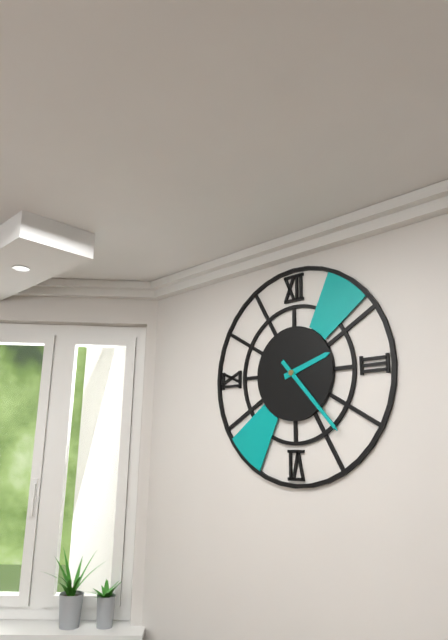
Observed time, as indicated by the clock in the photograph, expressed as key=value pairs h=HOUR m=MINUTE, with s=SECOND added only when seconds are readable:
h=2 m=23
